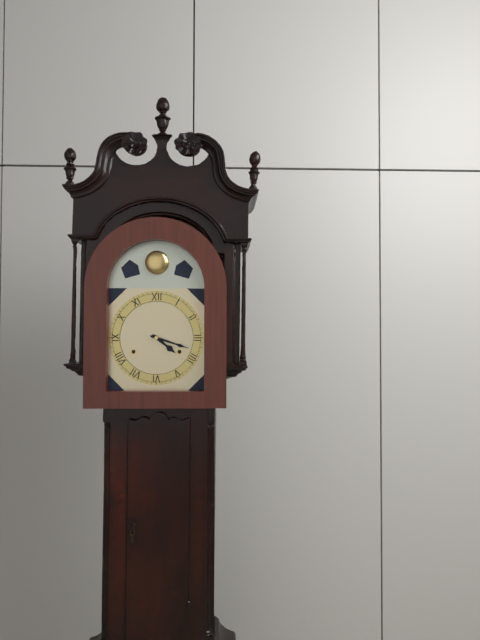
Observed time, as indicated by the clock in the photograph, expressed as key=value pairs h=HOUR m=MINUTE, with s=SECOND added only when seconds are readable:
h=4 m=18
